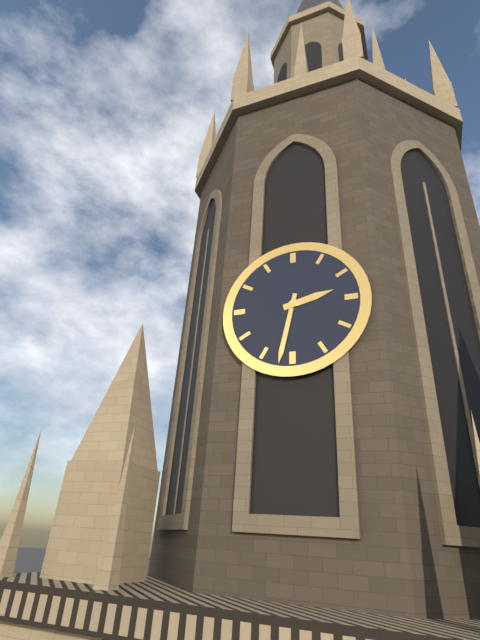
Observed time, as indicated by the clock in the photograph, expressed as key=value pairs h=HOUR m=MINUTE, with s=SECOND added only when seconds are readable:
h=2 m=32
